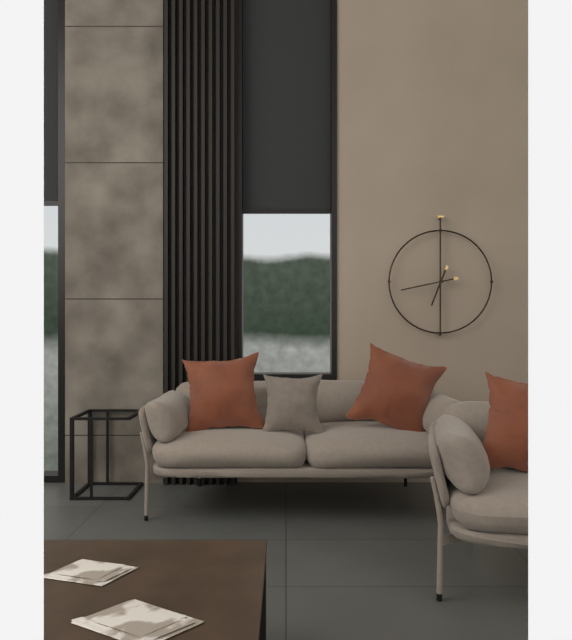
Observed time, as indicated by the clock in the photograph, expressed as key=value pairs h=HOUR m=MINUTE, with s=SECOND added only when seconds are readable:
h=6 m=43
